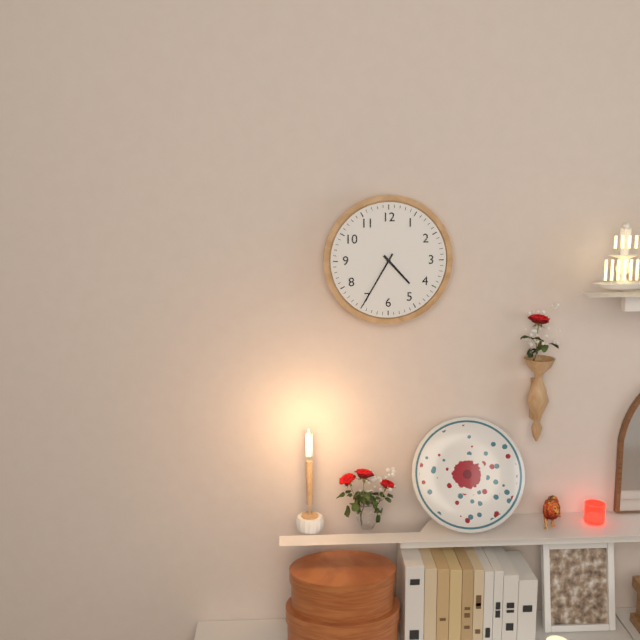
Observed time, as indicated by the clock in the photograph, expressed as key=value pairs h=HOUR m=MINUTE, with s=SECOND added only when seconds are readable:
h=4 m=35
